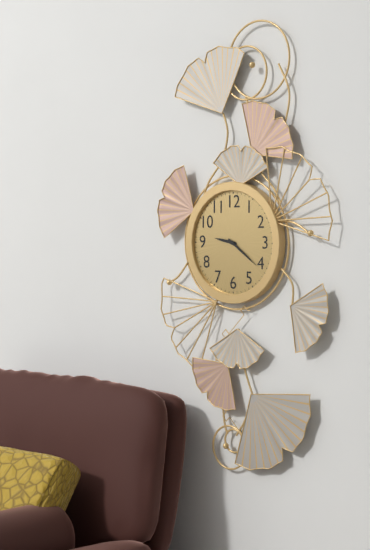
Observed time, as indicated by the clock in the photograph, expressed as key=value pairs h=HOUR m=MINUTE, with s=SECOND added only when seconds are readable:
h=9 m=21
